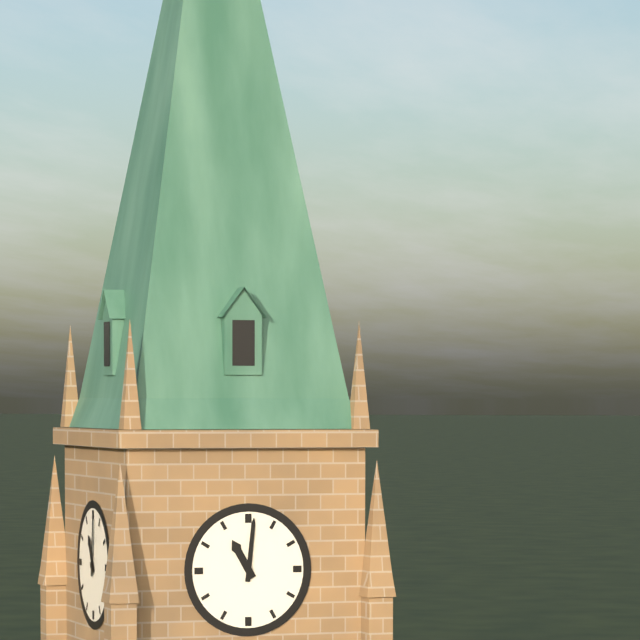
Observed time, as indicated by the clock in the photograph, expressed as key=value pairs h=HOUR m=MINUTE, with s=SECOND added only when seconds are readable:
h=11 m=1
